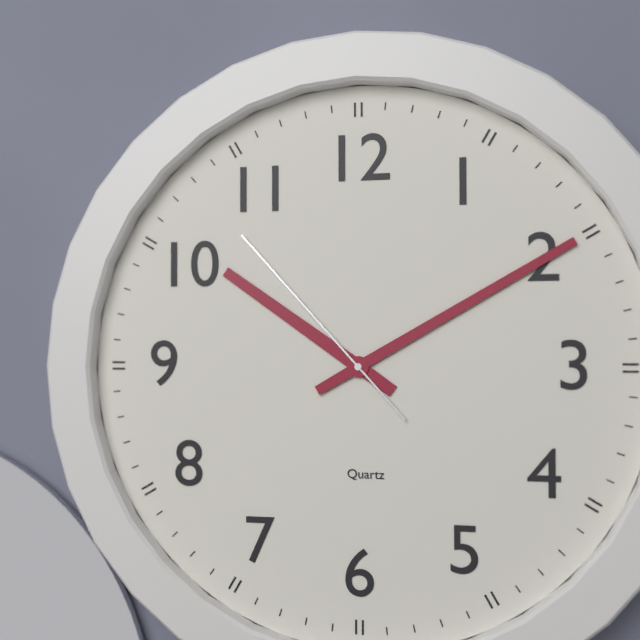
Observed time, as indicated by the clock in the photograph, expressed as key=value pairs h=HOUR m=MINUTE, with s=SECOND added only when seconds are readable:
h=10 m=10 s=53
